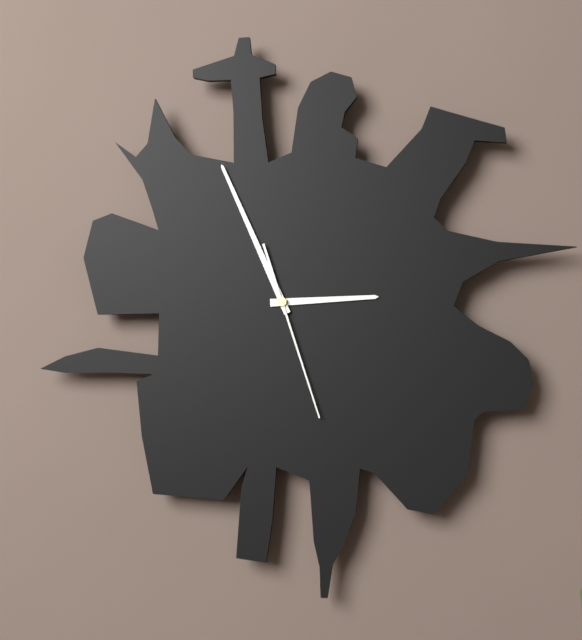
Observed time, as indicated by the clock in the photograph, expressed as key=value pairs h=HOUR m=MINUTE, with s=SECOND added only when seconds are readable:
h=2 m=56 s=27
